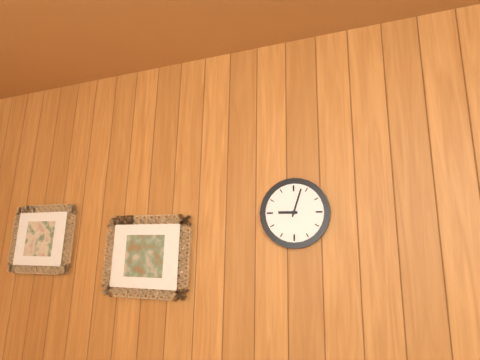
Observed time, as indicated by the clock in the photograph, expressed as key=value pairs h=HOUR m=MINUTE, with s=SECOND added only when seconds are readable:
h=9 m=3
